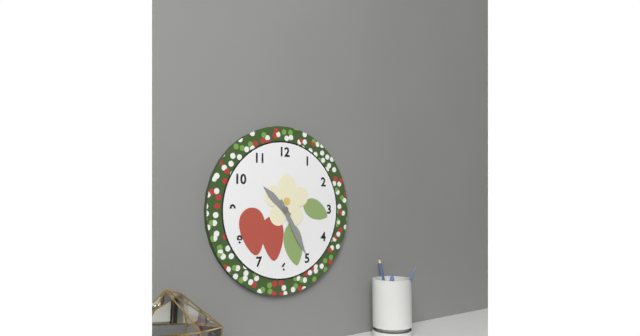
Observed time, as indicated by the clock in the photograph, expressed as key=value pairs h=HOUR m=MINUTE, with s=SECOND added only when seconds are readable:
h=10 m=25
